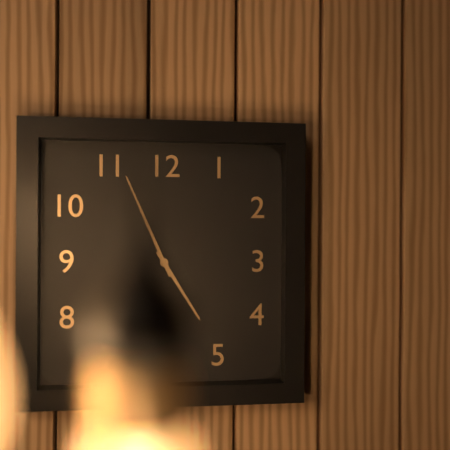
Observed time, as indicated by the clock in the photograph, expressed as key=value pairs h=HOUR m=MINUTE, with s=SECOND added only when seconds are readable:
h=4 m=56
